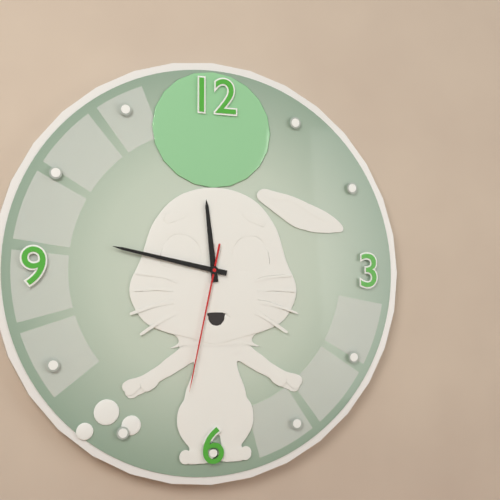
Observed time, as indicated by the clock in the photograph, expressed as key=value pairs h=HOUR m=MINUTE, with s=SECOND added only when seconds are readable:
h=11 m=47 s=32
